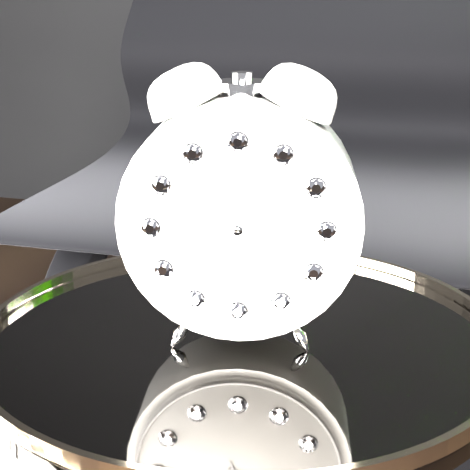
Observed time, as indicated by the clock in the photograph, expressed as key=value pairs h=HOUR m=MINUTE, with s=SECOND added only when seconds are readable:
h=9 m=7 s=4
